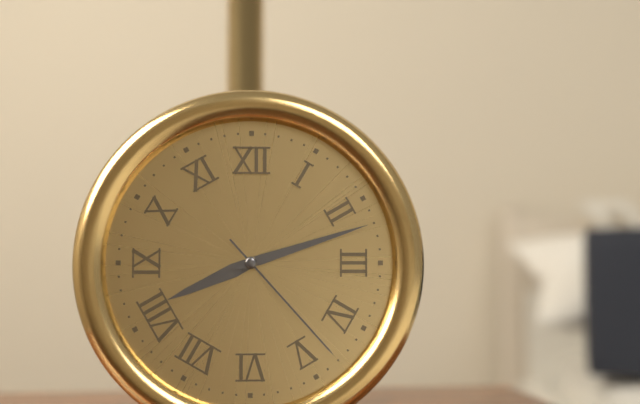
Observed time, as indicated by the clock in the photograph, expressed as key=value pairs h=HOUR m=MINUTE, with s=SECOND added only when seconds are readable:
h=8 m=12 s=23
